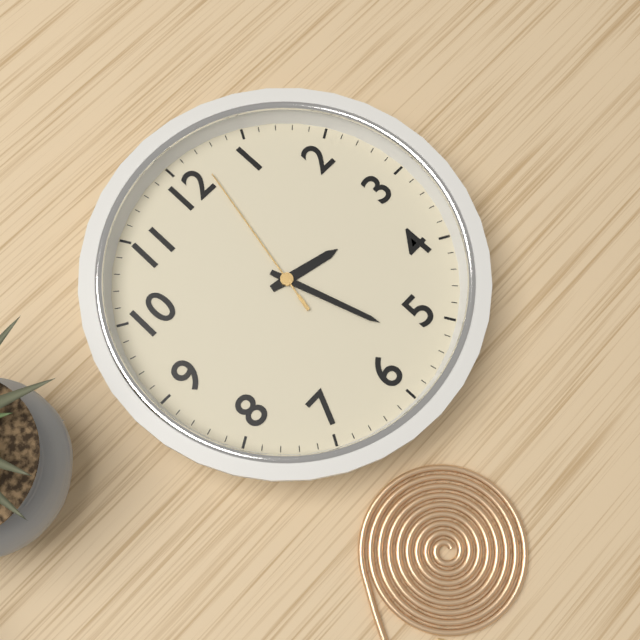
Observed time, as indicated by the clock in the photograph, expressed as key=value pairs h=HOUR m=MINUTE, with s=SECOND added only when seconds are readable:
h=3 m=27 s=2
